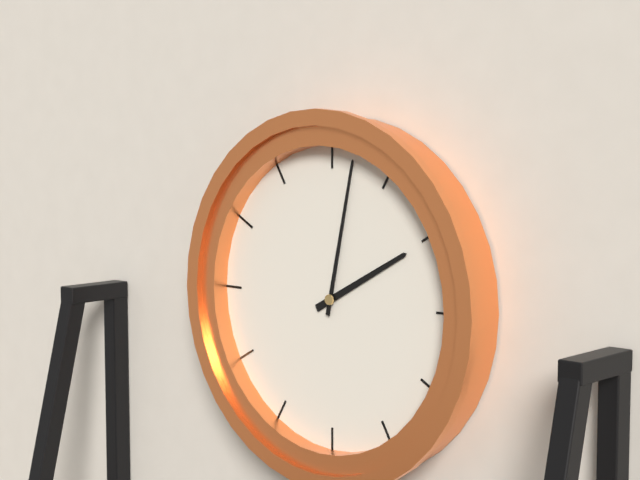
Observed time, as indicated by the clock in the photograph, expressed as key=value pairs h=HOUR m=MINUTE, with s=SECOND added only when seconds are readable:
h=2 m=2
